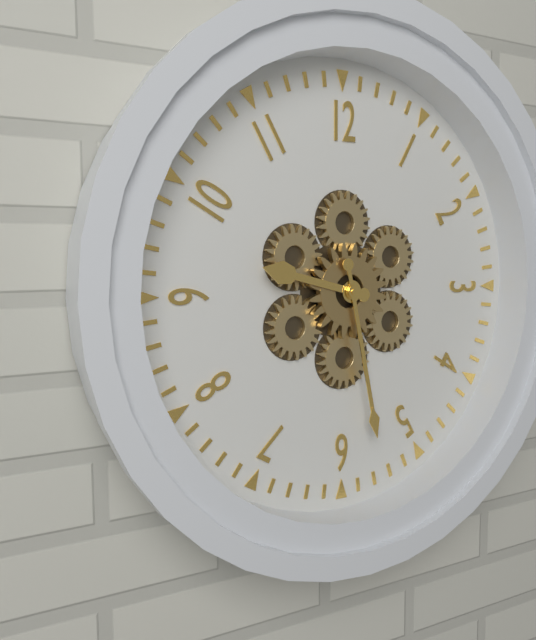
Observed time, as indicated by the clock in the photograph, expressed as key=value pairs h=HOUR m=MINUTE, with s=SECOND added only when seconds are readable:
h=9 m=28
